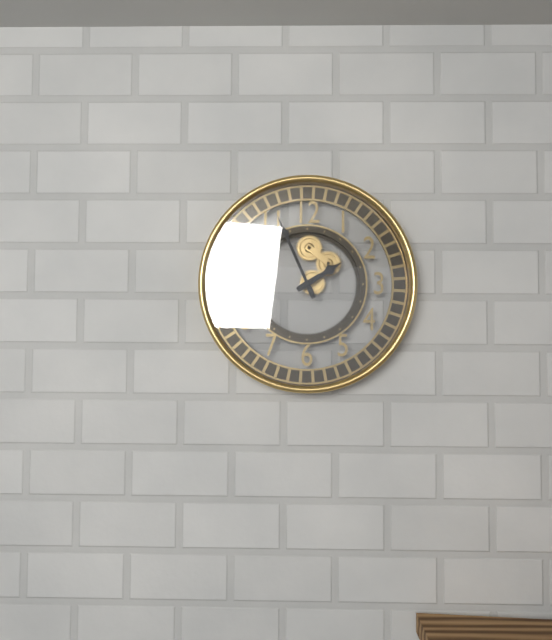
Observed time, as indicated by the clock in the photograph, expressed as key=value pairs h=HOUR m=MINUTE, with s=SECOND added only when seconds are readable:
h=1 m=56
